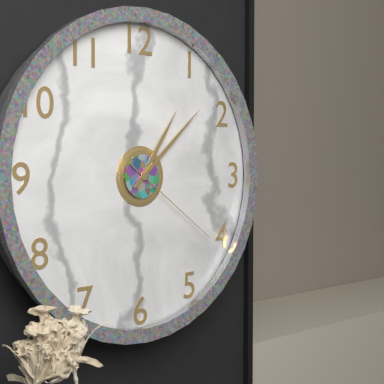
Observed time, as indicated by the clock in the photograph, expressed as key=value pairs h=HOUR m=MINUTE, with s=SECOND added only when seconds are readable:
h=1 m=8 s=21
